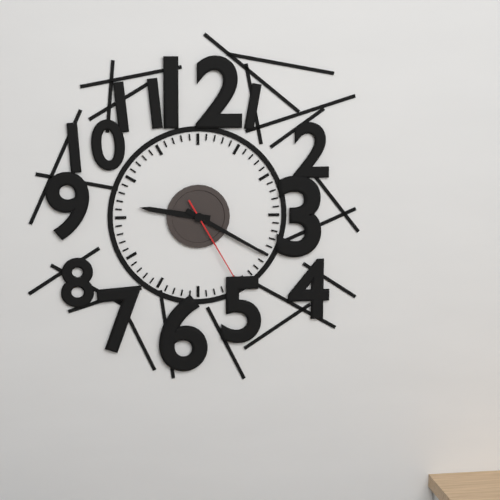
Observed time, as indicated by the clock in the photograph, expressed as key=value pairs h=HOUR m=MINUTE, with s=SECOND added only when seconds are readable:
h=9 m=20 s=25
